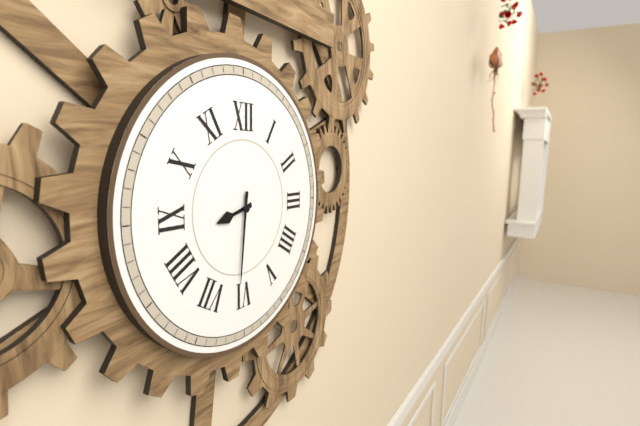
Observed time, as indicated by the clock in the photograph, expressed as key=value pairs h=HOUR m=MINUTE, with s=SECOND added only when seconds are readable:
h=8 m=31
